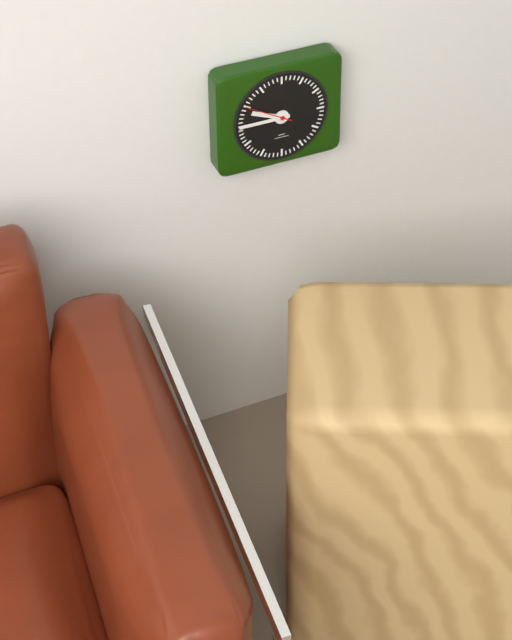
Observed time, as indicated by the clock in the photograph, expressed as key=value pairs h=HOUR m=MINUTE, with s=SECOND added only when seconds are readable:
h=9 m=45
